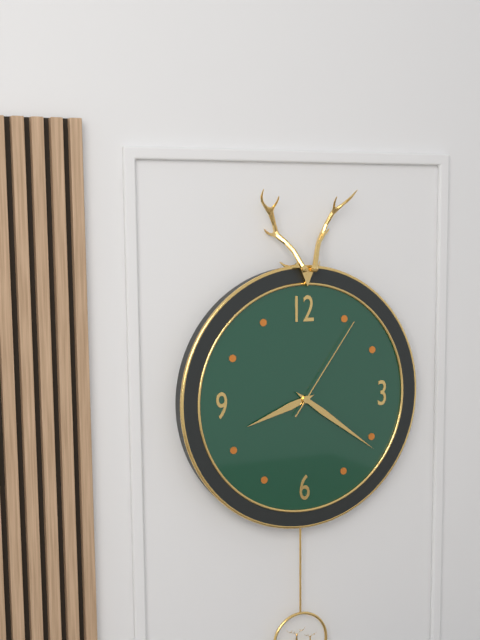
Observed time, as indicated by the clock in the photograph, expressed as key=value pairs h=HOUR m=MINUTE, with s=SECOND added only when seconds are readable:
h=8 m=21 s=6
